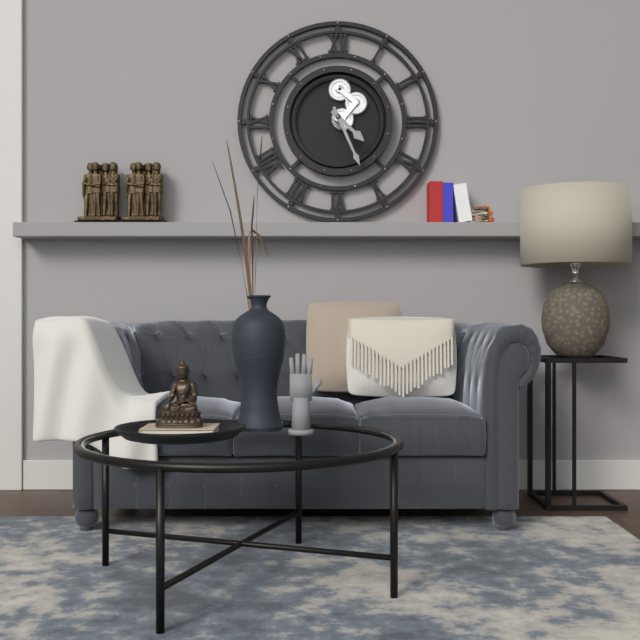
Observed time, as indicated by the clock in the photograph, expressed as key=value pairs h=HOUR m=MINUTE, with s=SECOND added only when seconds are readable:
h=4 m=26
